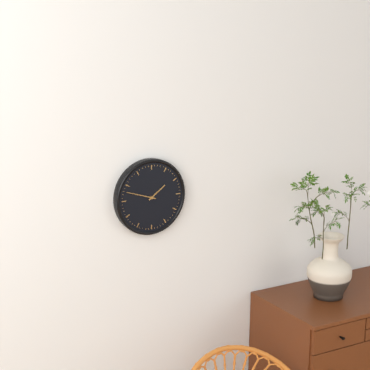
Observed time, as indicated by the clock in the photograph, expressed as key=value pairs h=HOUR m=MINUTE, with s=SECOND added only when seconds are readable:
h=1 m=48
